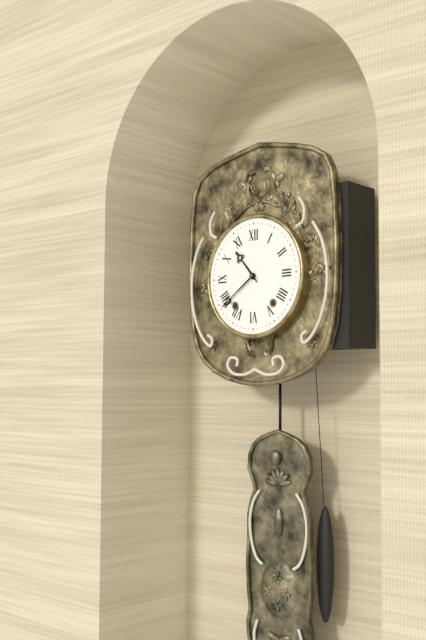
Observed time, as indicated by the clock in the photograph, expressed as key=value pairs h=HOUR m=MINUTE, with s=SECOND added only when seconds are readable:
h=10 m=39
